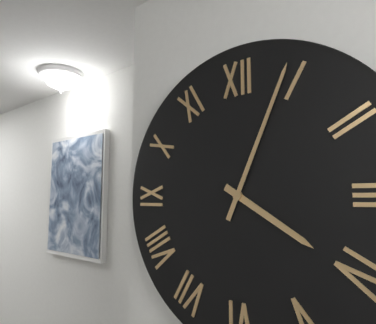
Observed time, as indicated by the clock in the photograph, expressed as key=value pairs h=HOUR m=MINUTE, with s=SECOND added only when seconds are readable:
h=4 m=4
